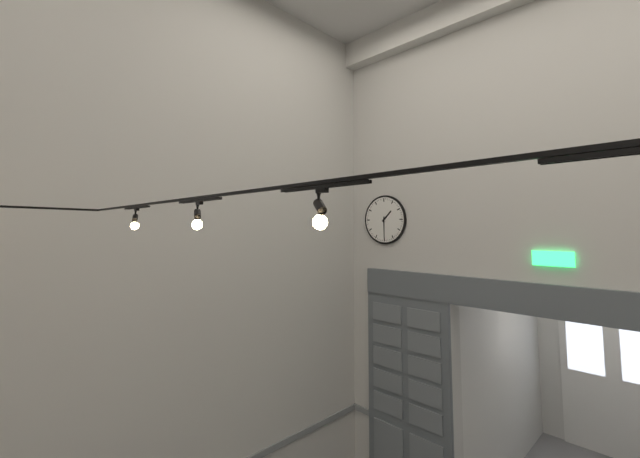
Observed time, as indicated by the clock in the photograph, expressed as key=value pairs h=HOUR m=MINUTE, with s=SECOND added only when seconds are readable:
h=1 m=30
